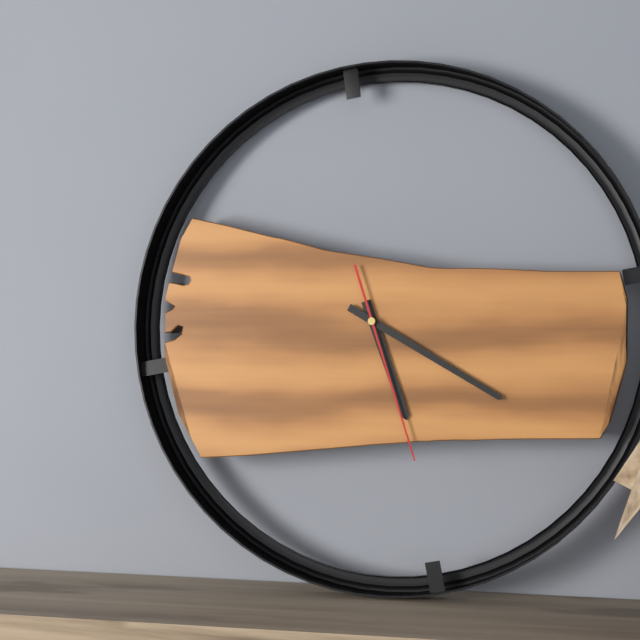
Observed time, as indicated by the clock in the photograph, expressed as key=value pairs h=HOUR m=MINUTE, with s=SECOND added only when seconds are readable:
h=5 m=20 s=27
